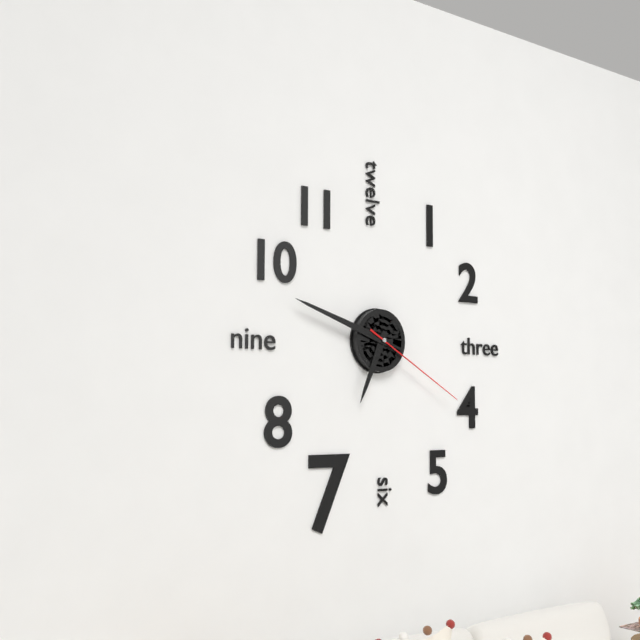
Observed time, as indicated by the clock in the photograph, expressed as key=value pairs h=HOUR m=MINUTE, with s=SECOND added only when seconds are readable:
h=6 m=48 s=20
